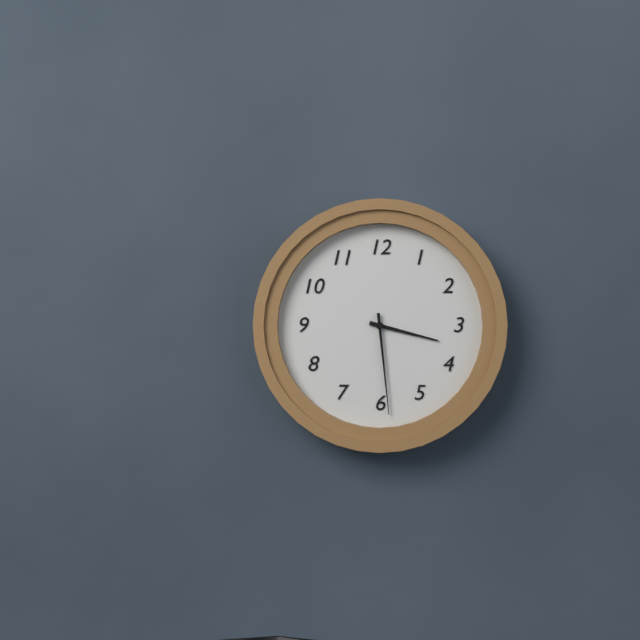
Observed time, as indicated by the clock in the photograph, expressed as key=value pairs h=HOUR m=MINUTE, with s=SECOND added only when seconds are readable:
h=3 m=29
